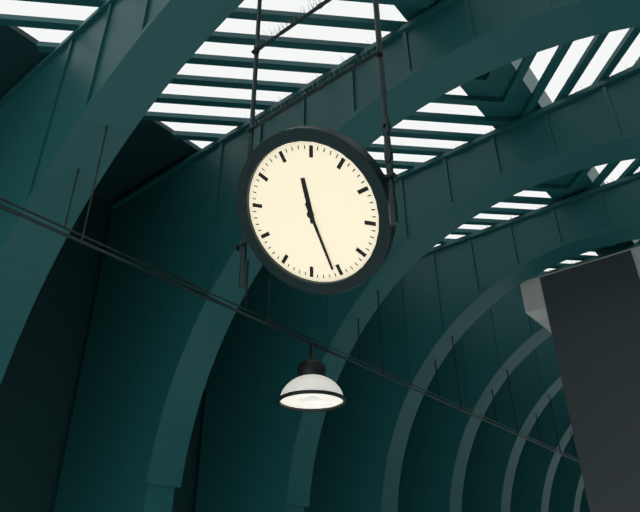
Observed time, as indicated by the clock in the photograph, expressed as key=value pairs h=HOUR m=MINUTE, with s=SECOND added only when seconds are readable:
h=12 m=31
